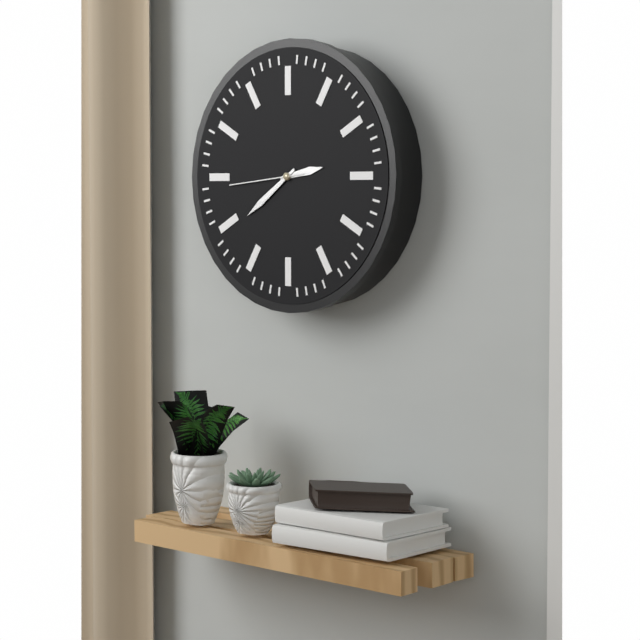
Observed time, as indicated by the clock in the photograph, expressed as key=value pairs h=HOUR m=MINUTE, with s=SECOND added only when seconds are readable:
h=2 m=39 s=44
